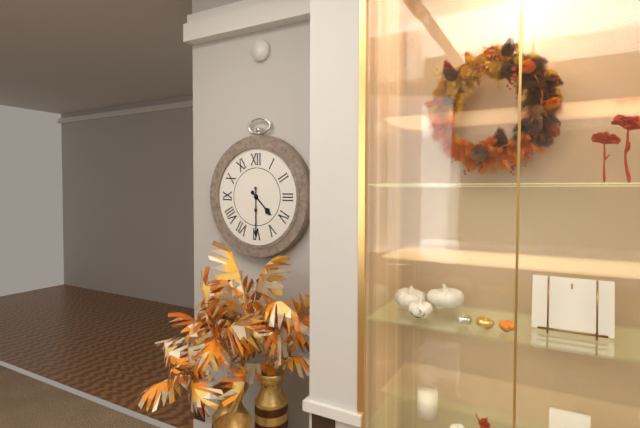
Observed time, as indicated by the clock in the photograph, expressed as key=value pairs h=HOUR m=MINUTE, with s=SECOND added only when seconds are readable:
h=4 m=30
